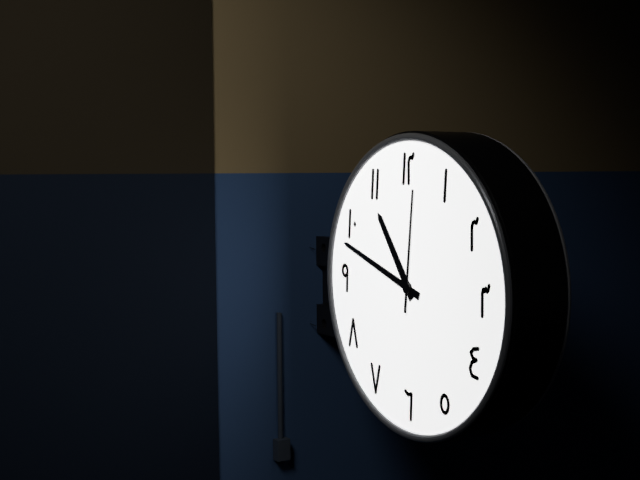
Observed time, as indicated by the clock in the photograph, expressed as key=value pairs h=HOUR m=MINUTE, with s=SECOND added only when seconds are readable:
h=10 m=48 s=1
